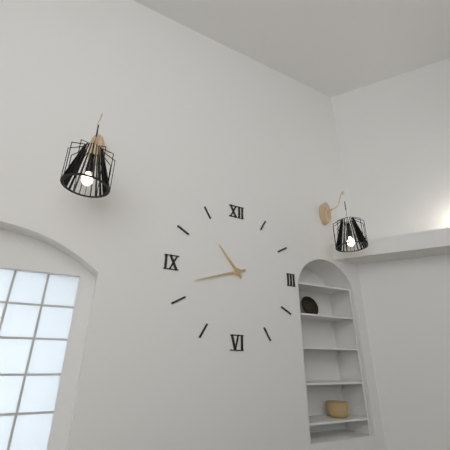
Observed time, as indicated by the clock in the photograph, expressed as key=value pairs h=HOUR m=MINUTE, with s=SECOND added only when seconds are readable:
h=10 m=42
